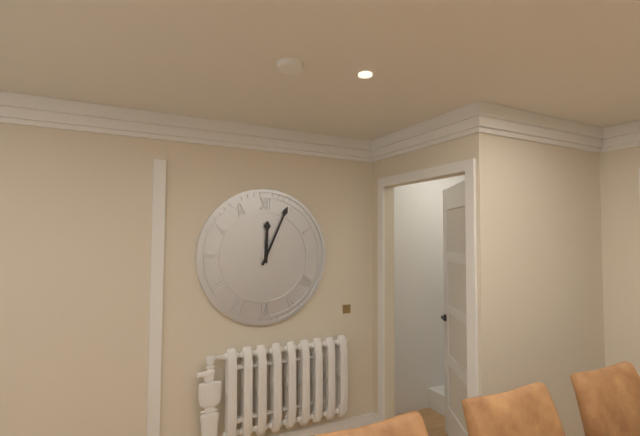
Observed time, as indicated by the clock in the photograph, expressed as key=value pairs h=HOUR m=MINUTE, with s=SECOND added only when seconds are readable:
h=12 m=4
